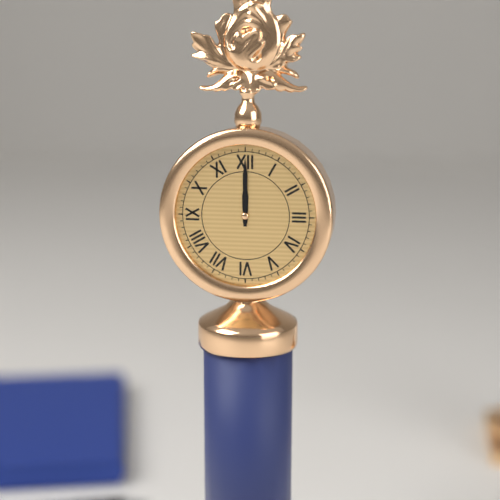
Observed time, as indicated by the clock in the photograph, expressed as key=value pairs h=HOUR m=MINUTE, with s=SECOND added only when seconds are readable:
h=12 m=0
